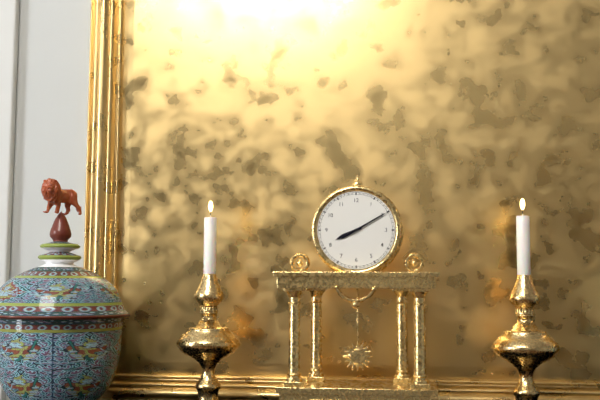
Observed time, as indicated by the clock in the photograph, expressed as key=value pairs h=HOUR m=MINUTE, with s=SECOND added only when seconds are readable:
h=8 m=10
